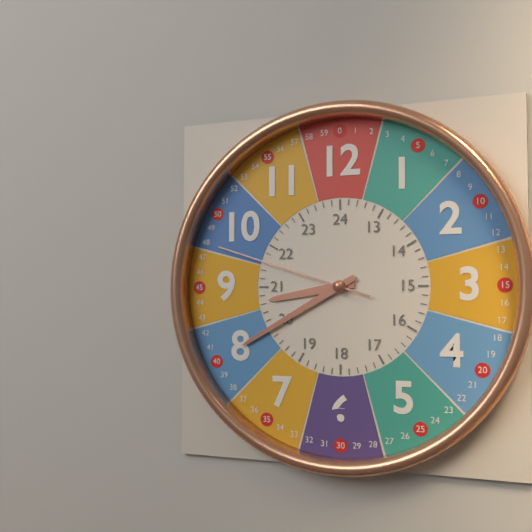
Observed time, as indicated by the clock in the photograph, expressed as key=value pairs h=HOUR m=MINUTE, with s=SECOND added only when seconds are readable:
h=8 m=40 s=48
